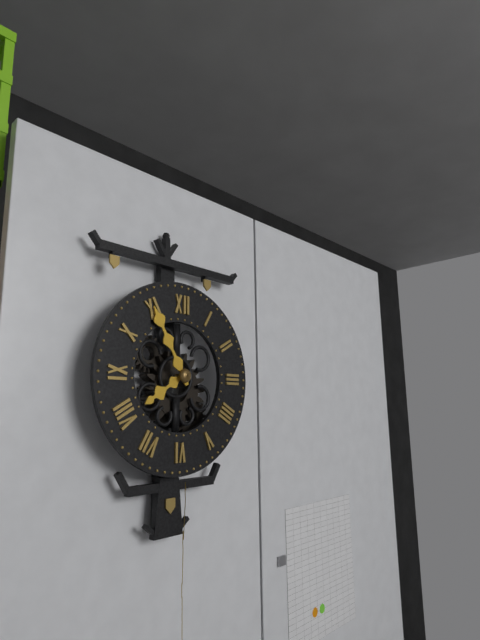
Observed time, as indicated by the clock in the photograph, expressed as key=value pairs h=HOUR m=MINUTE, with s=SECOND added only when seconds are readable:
h=7 m=55
